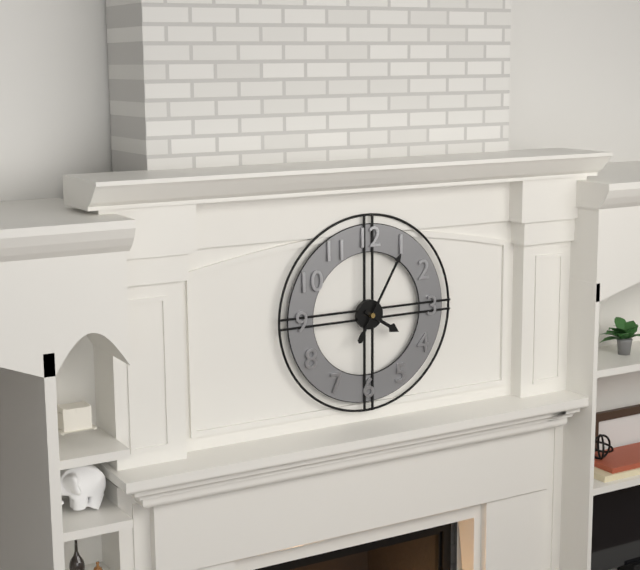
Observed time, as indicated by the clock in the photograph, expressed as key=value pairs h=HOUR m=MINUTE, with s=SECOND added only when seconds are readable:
h=4 m=5
